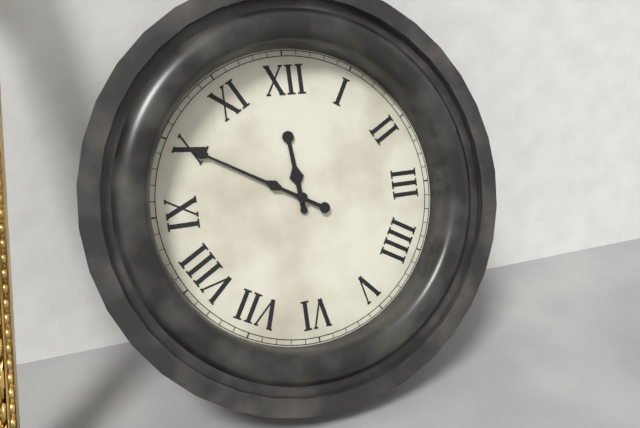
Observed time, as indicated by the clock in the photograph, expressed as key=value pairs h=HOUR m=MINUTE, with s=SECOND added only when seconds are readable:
h=11 m=50
